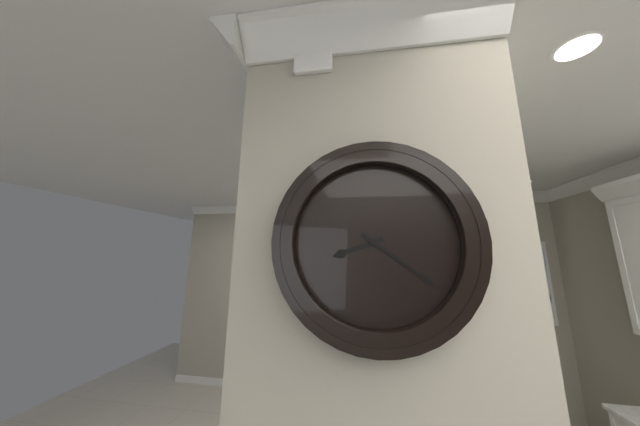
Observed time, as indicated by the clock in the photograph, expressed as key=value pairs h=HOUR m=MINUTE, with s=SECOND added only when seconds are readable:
h=8 m=21
